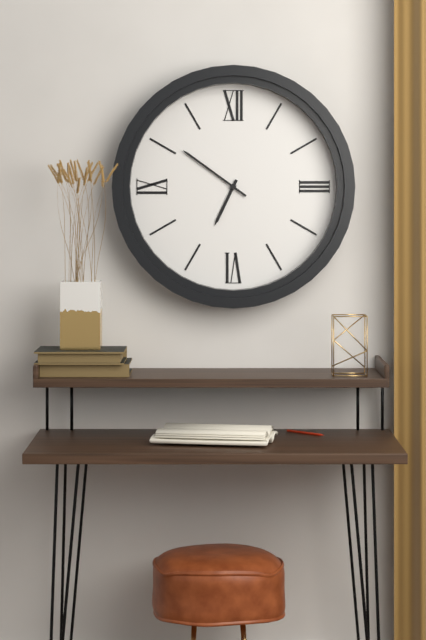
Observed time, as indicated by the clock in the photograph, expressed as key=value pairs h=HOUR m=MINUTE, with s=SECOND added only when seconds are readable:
h=6 m=51
